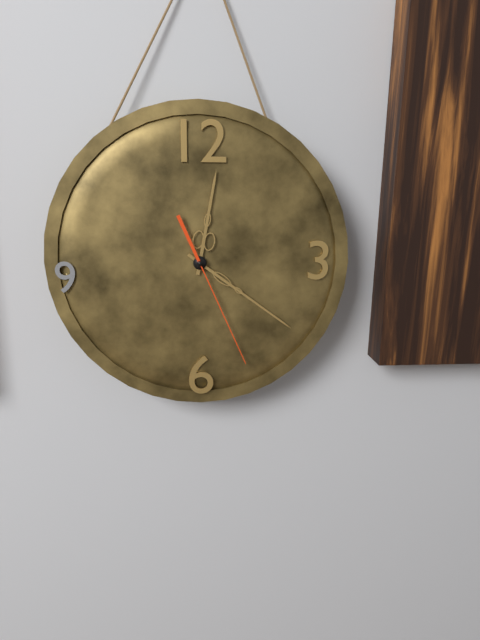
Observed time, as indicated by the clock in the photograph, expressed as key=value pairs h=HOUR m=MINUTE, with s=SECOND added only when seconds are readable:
h=12 m=21 s=26
